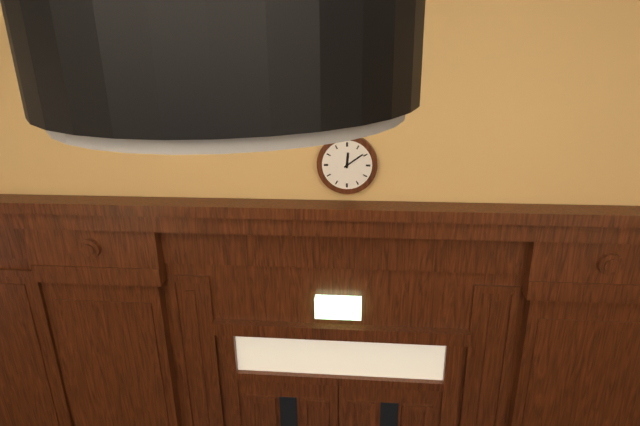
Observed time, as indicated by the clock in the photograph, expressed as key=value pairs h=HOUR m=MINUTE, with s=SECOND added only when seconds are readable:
h=12 m=9
